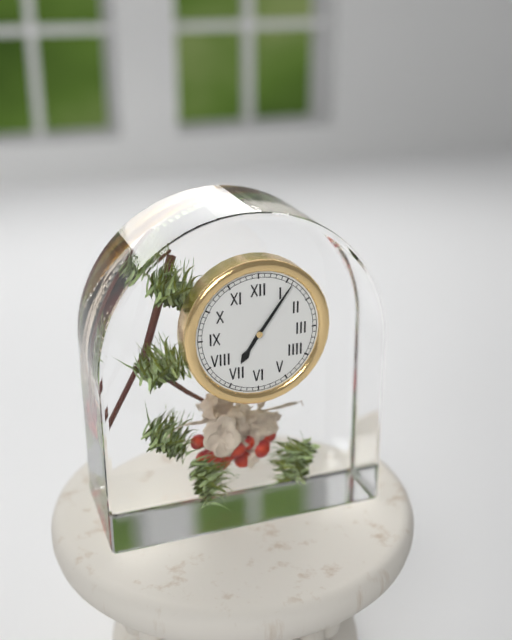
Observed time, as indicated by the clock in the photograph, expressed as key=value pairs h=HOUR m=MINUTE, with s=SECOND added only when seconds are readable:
h=7 m=6
